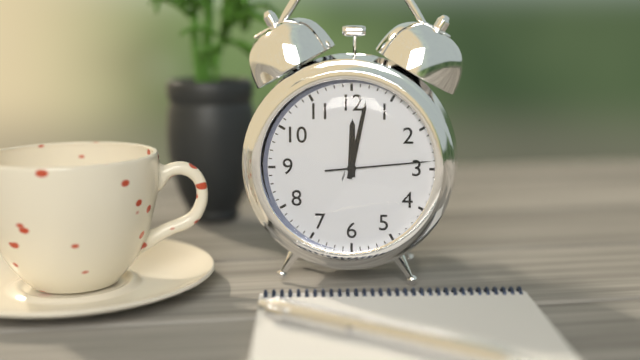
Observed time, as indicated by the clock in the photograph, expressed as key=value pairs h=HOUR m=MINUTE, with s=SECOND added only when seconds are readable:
h=12 m=2 s=14
